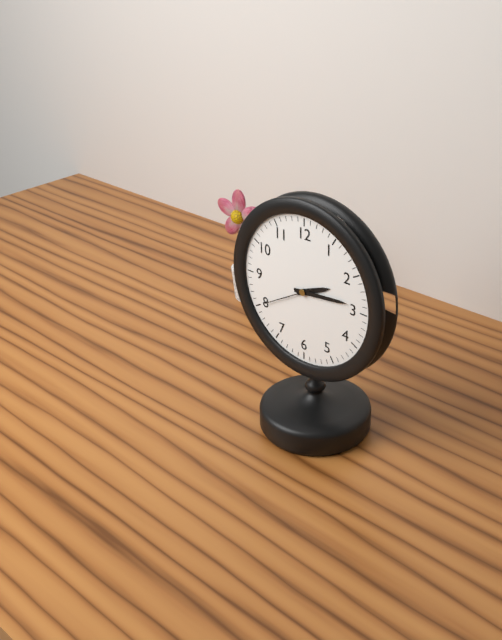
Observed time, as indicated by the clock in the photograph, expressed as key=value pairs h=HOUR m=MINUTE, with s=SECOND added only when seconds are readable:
h=2 m=14
